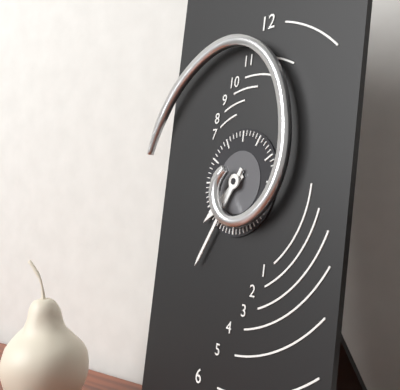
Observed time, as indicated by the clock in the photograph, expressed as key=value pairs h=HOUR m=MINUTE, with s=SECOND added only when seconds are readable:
h=7 m=35
